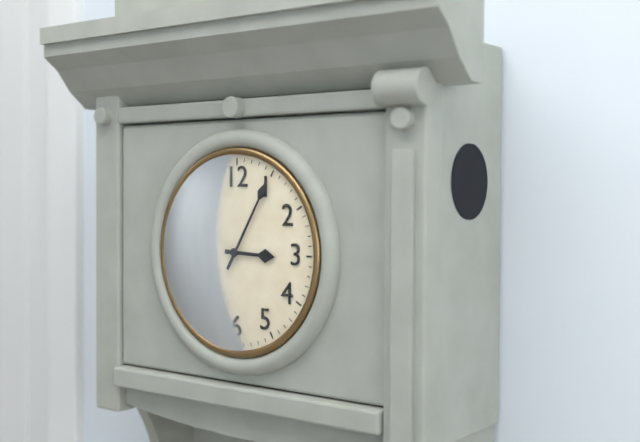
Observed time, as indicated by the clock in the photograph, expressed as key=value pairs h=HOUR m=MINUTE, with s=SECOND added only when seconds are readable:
h=3 m=5
